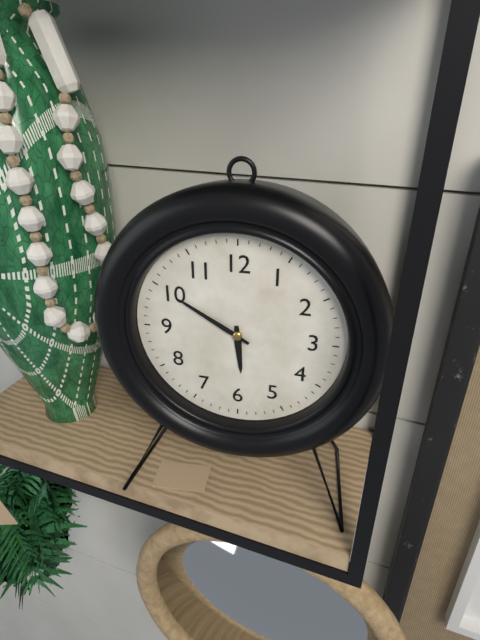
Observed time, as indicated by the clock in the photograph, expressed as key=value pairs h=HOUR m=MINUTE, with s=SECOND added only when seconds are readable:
h=5 m=50
